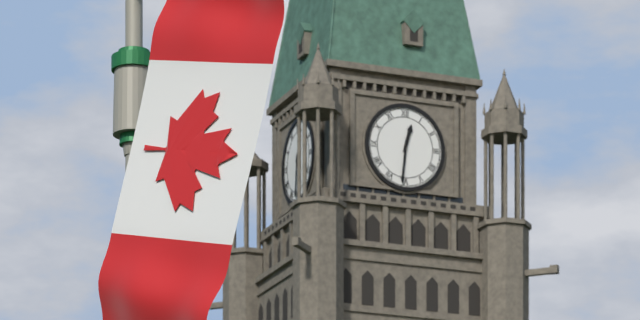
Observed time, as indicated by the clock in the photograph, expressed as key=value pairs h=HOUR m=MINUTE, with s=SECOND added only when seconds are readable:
h=12 m=31
